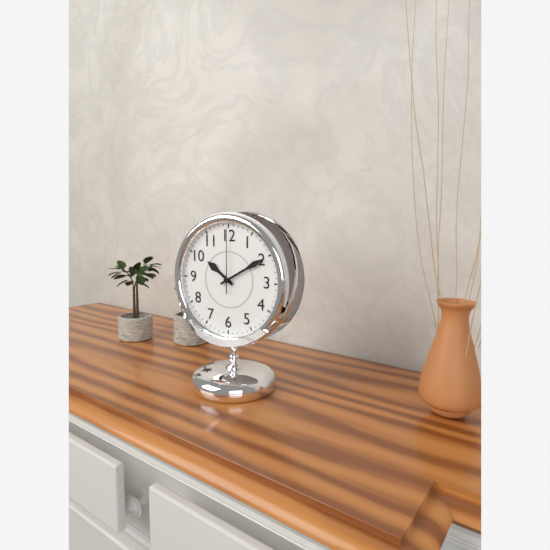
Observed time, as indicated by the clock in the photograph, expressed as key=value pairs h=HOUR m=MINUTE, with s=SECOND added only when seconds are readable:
h=10 m=10 s=0
